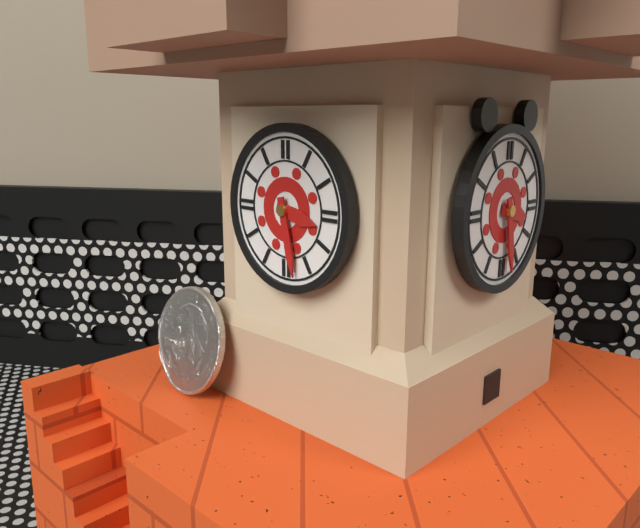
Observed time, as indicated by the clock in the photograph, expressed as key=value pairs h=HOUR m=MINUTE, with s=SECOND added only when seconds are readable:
h=3 m=28
